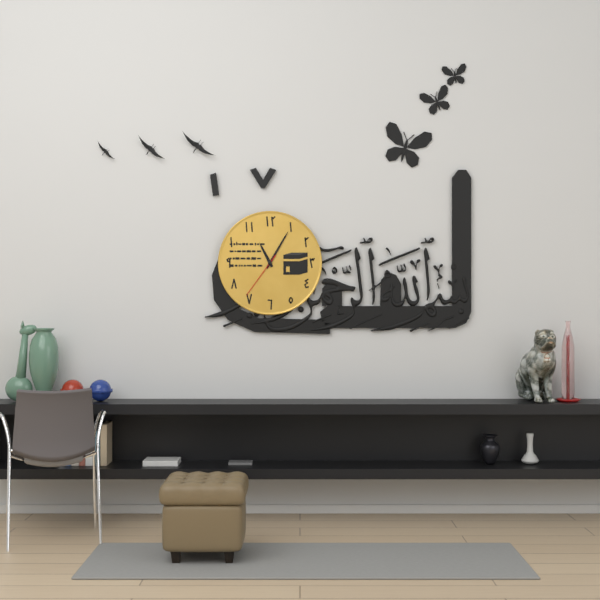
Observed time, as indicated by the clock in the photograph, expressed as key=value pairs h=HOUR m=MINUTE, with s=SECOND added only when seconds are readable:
h=11 m=5 s=36
